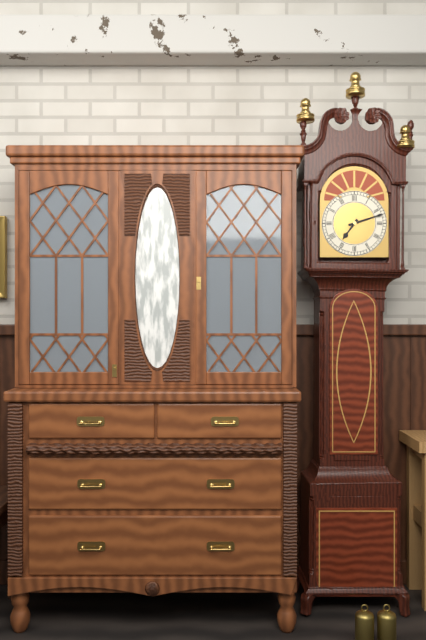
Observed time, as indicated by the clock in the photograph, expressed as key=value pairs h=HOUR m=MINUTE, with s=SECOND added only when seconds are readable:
h=7 m=12
